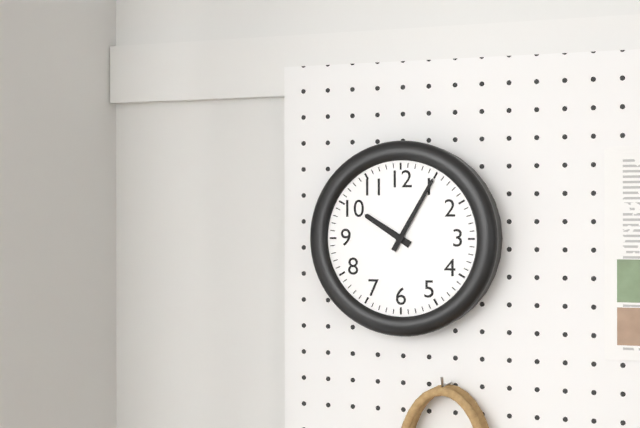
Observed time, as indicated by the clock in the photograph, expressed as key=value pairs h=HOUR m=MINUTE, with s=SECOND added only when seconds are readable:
h=10 m=5
